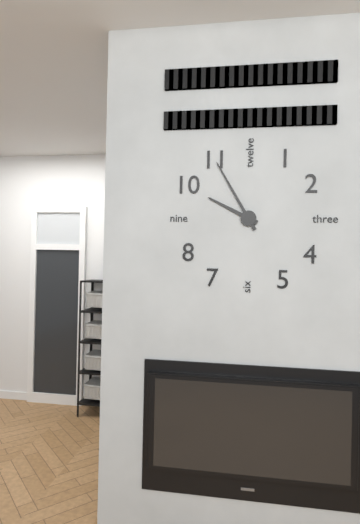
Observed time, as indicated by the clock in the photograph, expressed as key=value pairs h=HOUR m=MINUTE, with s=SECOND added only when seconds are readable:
h=9 m=55
